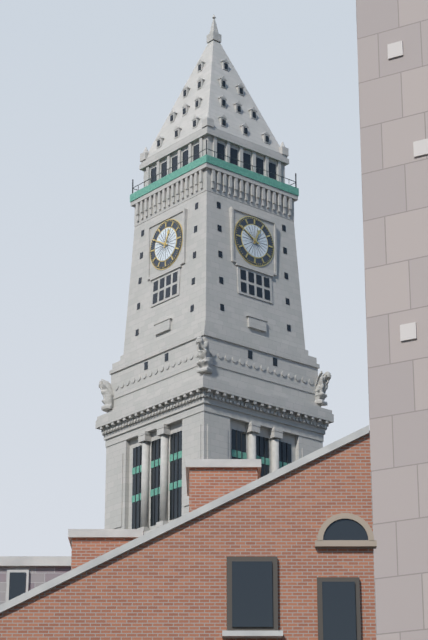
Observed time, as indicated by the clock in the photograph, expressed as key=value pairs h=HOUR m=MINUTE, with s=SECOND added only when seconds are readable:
h=12 m=50
